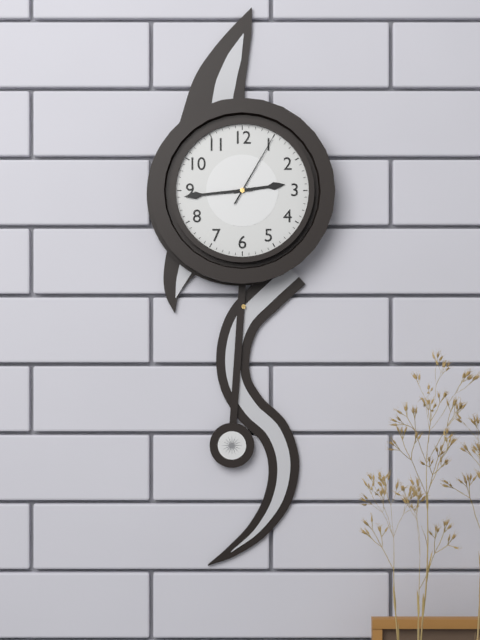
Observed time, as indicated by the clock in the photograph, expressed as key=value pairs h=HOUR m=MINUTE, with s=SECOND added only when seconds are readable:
h=2 m=44 s=5
